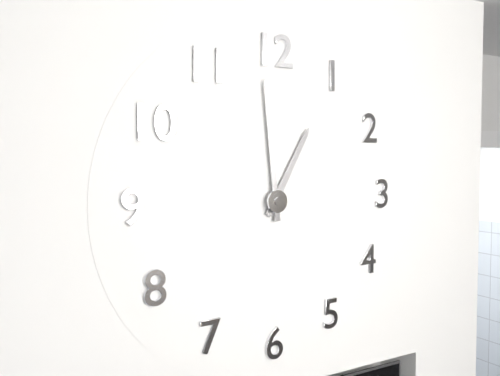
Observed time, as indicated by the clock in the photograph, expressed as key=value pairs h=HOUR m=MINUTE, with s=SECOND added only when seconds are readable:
h=12 m=59
